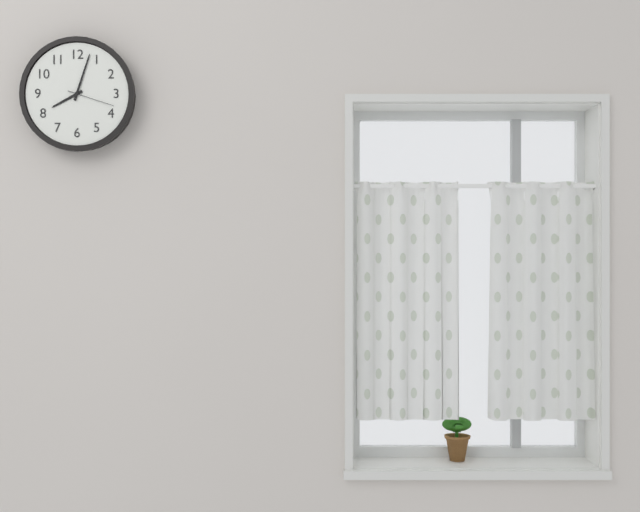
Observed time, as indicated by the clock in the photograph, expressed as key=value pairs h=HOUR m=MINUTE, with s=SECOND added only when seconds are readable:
h=8 m=3
